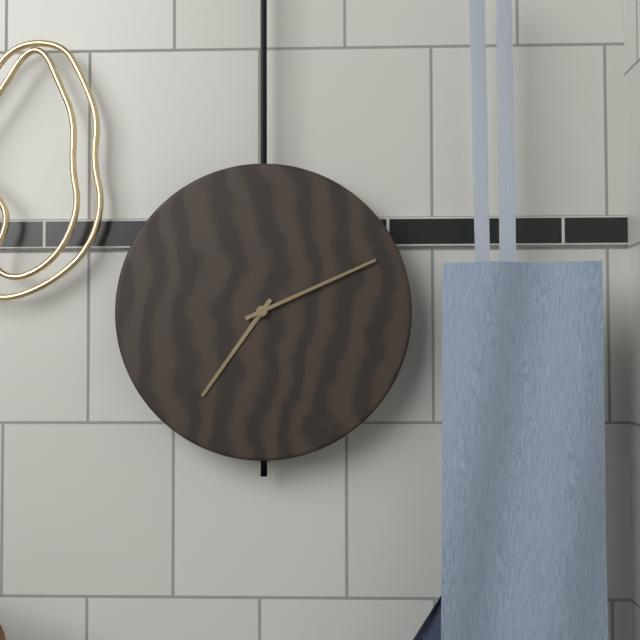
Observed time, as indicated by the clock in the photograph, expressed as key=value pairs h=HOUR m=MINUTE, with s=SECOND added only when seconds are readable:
h=7 m=11
